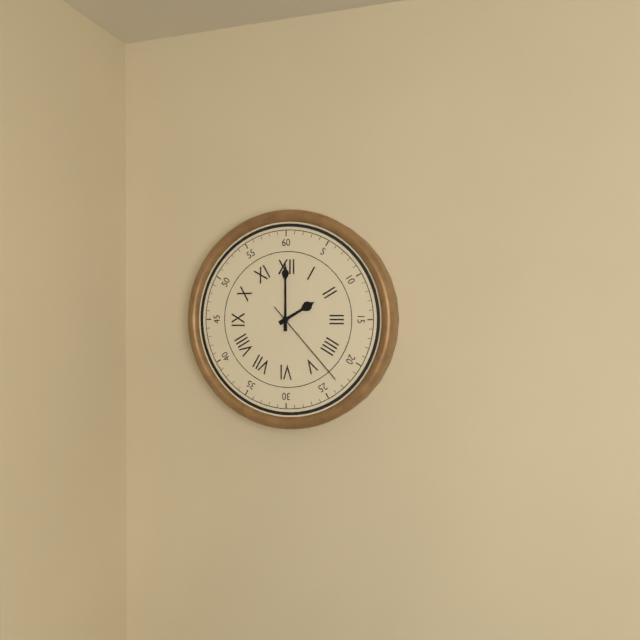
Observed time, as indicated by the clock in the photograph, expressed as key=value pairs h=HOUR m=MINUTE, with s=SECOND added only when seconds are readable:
h=2 m=0 s=23
